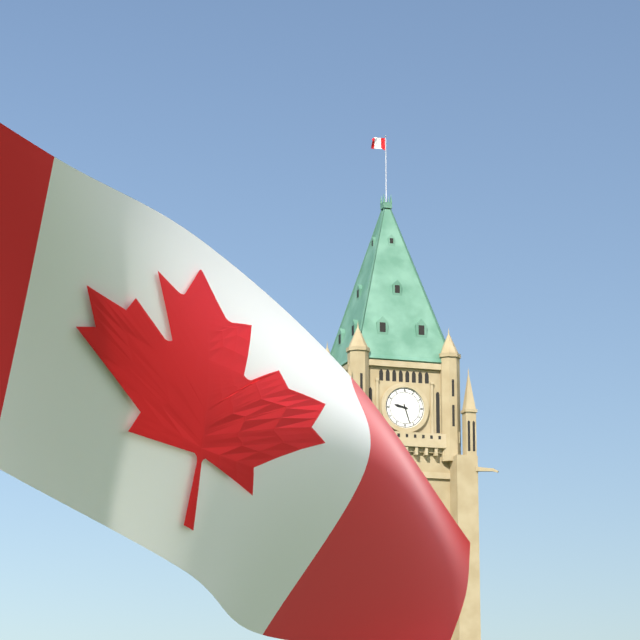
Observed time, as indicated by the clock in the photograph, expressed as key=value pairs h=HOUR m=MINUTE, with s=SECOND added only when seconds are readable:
h=9 m=27
